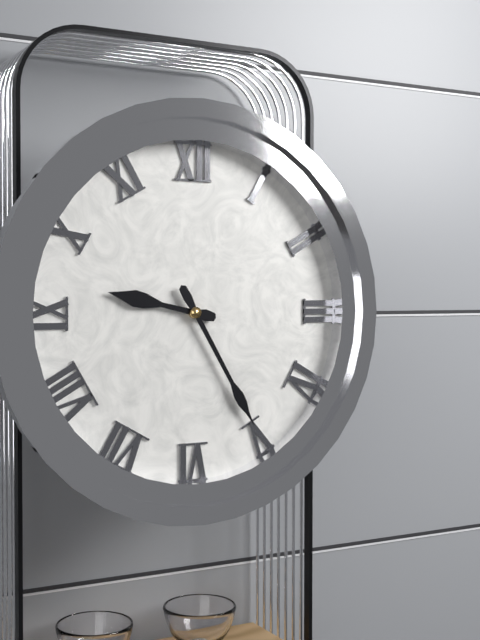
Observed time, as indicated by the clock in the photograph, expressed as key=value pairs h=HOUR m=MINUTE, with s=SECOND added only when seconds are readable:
h=9 m=25
